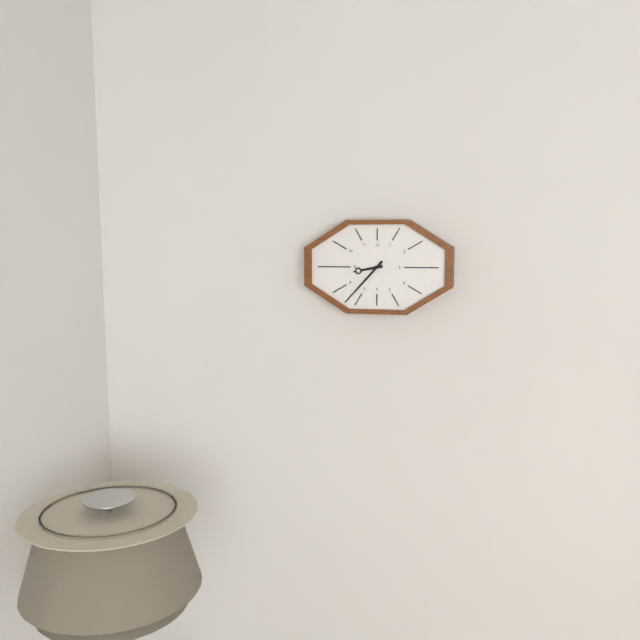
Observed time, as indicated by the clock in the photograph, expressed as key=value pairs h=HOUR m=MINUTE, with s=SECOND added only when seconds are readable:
h=8 m=37
